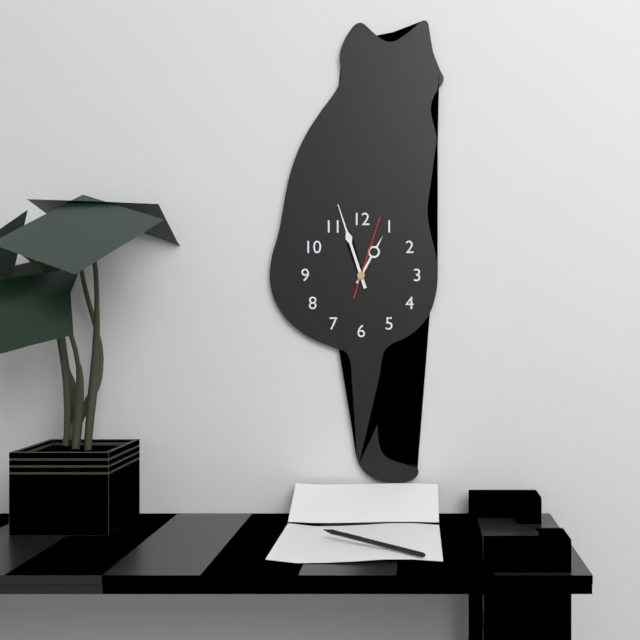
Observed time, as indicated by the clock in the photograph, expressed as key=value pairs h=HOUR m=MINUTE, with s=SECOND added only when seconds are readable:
h=12 m=57 s=3
